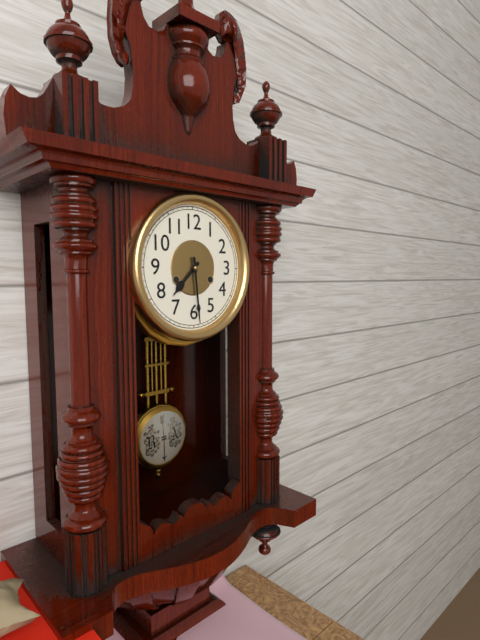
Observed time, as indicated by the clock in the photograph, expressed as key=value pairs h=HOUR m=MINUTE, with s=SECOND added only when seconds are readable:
h=7 m=29
